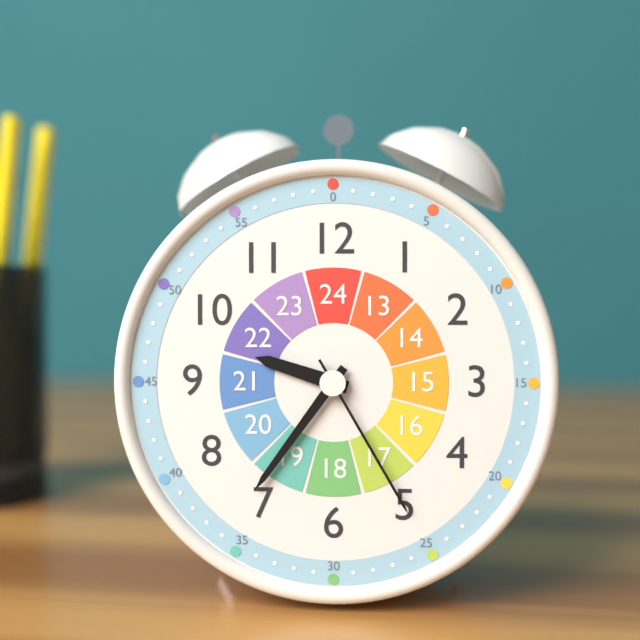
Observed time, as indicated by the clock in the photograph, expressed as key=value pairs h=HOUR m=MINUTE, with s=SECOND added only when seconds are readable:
h=9 m=36 s=25
